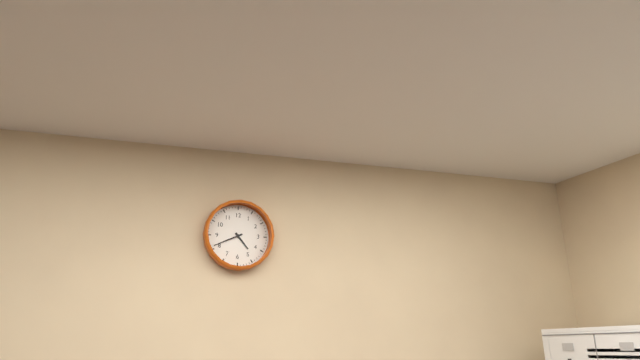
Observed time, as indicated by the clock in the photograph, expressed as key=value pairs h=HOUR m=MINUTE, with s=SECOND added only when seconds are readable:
h=4 m=41
